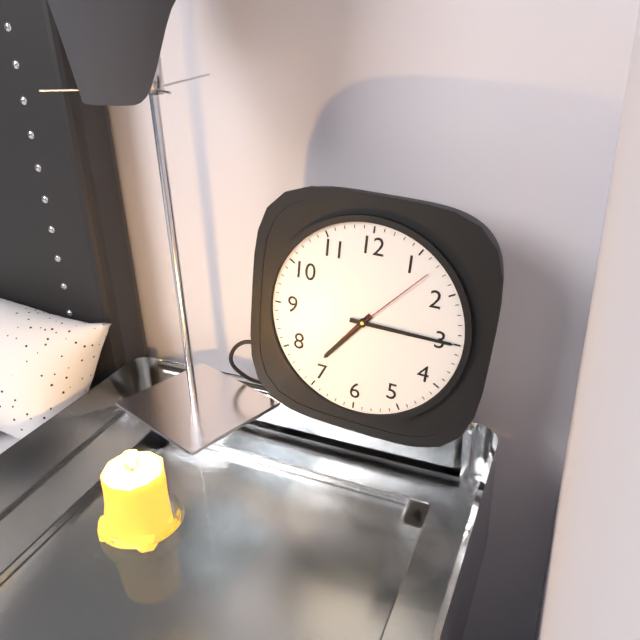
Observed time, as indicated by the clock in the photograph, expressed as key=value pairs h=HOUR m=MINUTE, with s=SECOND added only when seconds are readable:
h=7 m=15 s=7
